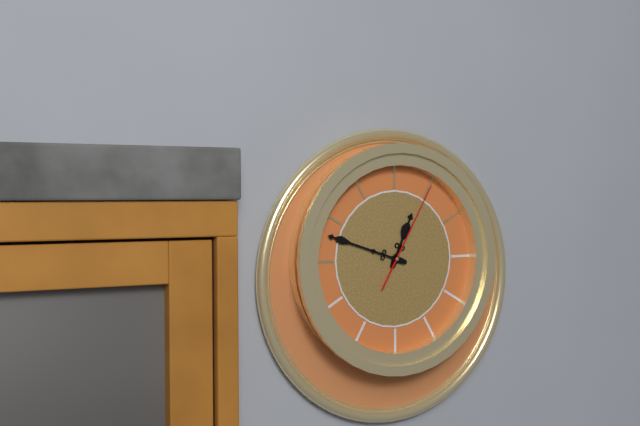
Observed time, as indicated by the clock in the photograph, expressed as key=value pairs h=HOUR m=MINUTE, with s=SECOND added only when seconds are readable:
h=12 m=48 s=5
